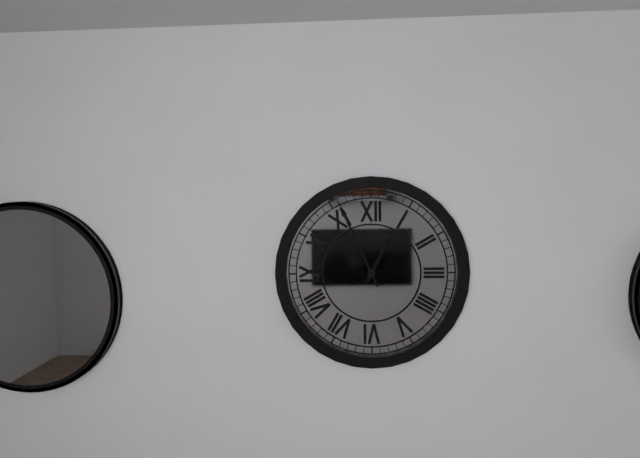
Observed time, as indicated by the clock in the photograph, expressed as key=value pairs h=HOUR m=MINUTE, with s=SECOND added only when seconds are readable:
h=12 m=56
